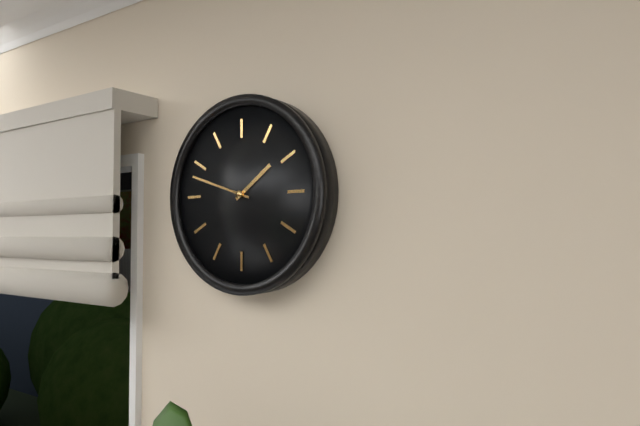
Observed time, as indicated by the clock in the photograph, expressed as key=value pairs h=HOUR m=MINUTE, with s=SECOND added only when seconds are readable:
h=1 m=48
